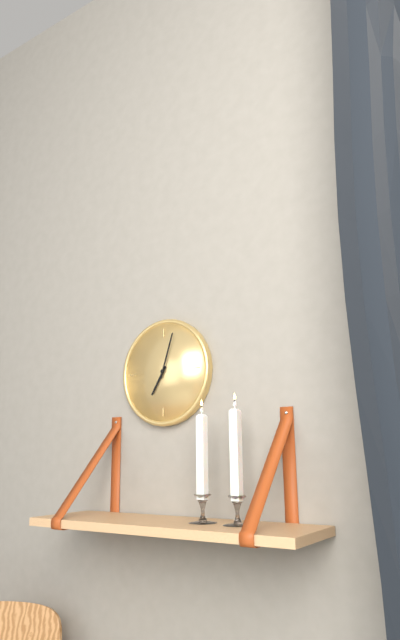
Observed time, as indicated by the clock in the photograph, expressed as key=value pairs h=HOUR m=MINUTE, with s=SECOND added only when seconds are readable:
h=7 m=3
